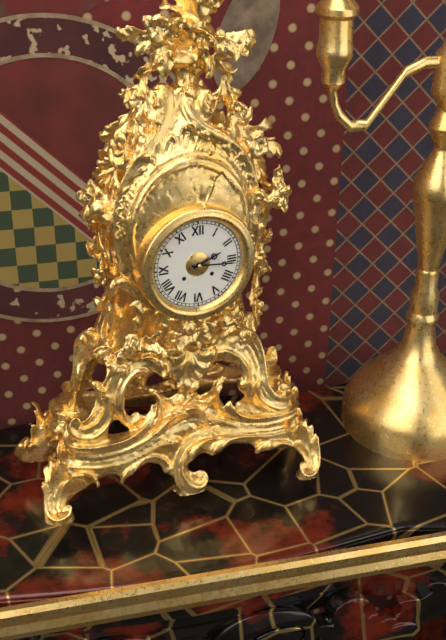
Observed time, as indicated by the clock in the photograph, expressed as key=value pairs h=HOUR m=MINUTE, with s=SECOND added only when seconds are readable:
h=2 m=16
